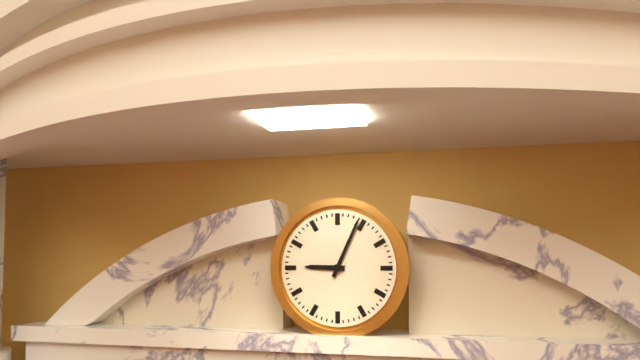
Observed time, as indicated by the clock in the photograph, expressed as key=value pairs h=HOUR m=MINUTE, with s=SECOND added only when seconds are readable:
h=9 m=4
